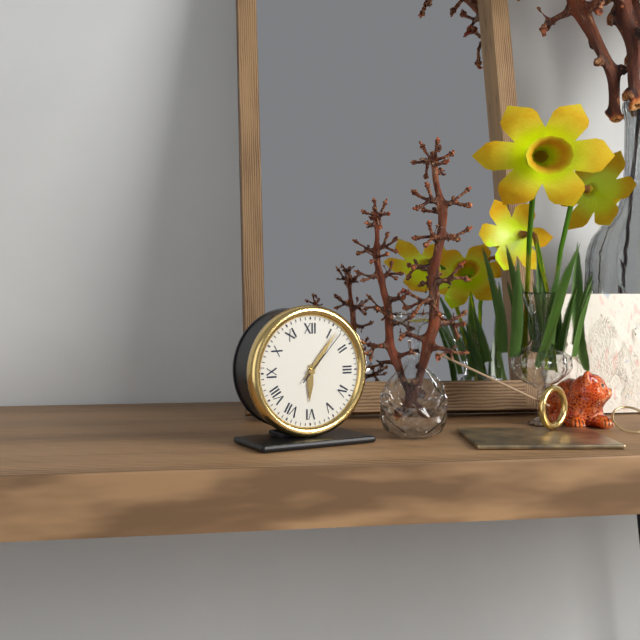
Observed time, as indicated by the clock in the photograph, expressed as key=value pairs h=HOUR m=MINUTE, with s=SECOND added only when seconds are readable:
h=6 m=6 s=7
